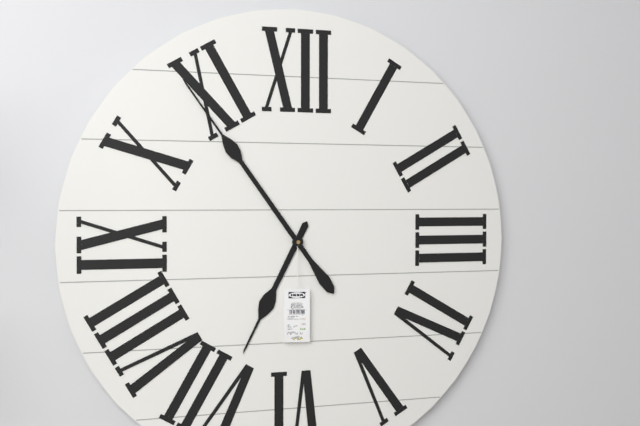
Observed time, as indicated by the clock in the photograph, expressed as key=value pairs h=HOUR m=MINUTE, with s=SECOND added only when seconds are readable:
h=6 m=54
